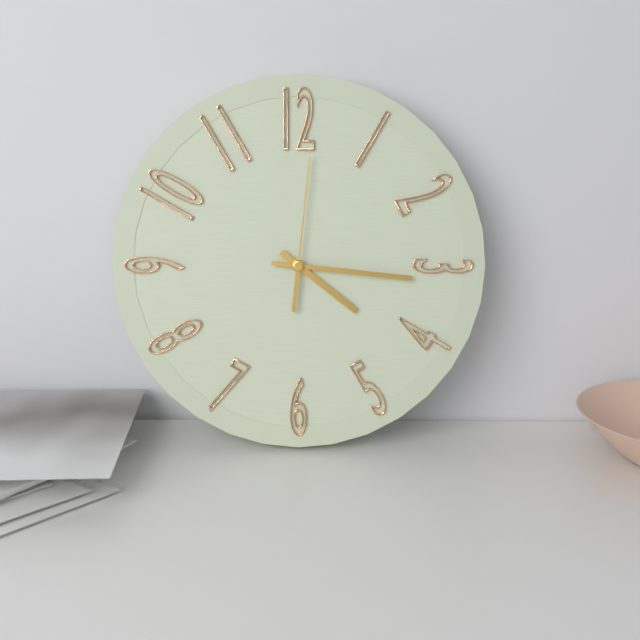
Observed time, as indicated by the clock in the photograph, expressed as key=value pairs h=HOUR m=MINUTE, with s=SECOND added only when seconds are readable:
h=4 m=16 s=1
